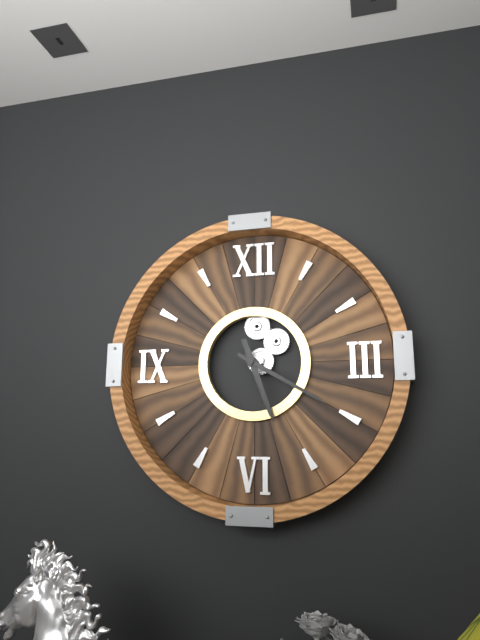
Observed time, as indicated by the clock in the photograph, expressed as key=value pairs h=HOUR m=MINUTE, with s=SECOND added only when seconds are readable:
h=5 m=20
